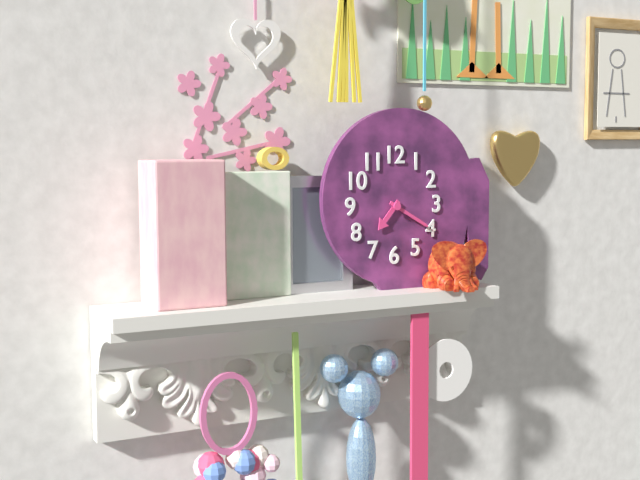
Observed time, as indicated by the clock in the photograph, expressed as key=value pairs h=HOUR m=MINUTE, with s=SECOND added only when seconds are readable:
h=7 m=20
